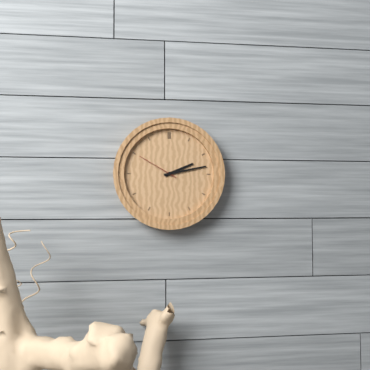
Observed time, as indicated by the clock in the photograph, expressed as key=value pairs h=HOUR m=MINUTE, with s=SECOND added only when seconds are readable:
h=2 m=13
